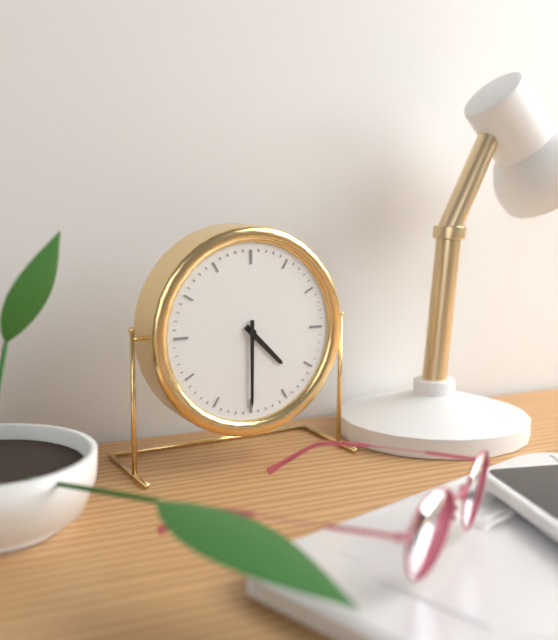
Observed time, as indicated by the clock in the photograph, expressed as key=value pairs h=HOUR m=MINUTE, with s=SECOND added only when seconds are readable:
h=4 m=30
